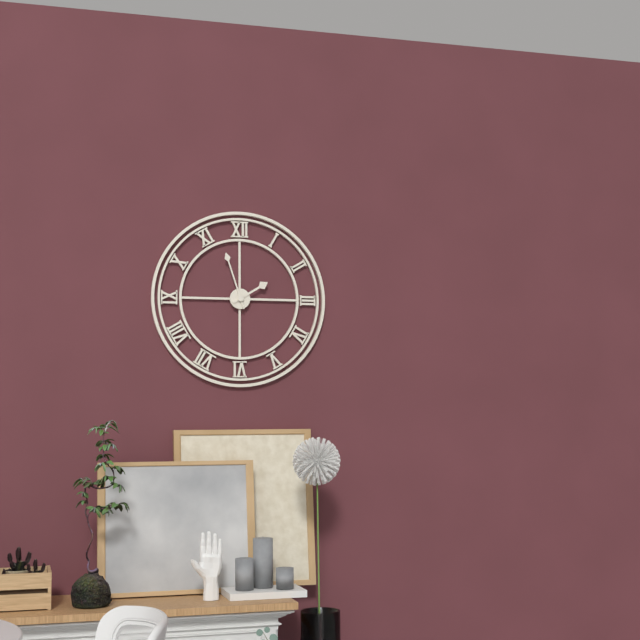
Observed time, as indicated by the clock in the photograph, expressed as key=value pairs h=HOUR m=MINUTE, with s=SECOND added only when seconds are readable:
h=1 m=57
